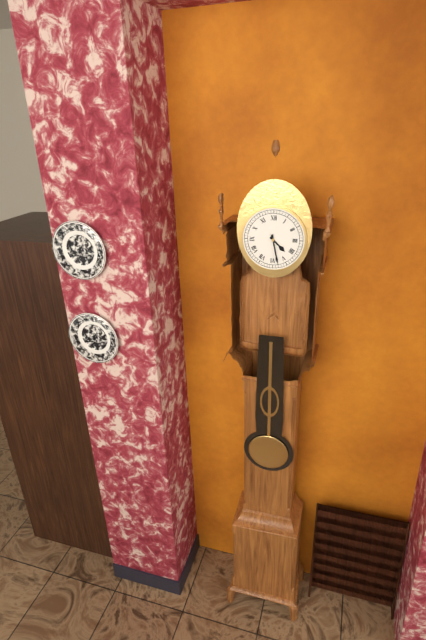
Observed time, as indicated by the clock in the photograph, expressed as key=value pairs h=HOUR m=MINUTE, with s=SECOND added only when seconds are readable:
h=4 m=28
